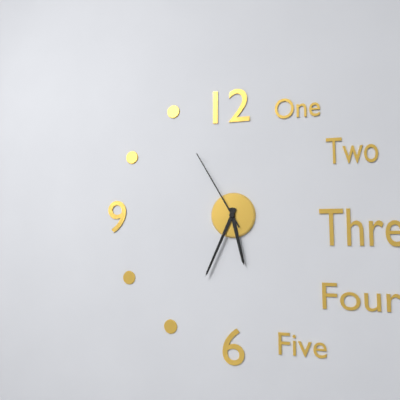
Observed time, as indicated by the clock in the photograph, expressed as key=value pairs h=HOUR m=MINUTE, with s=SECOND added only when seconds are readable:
h=5 m=34 s=55
